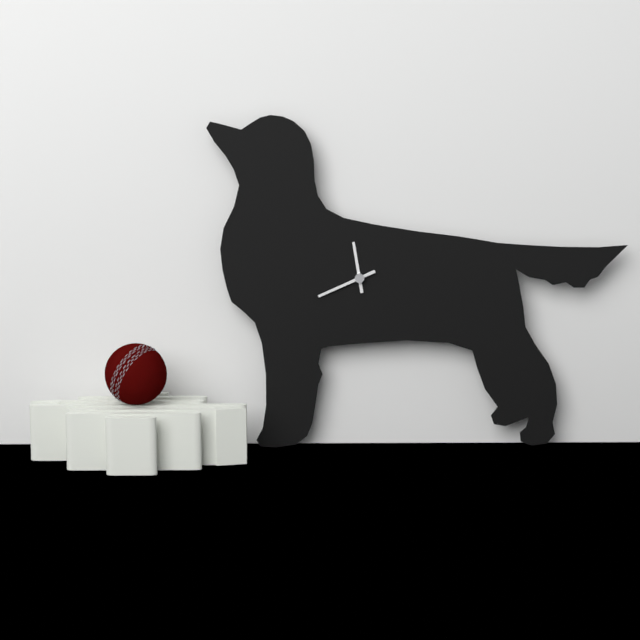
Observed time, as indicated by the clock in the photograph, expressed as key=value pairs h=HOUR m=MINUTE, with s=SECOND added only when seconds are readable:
h=11 m=41
